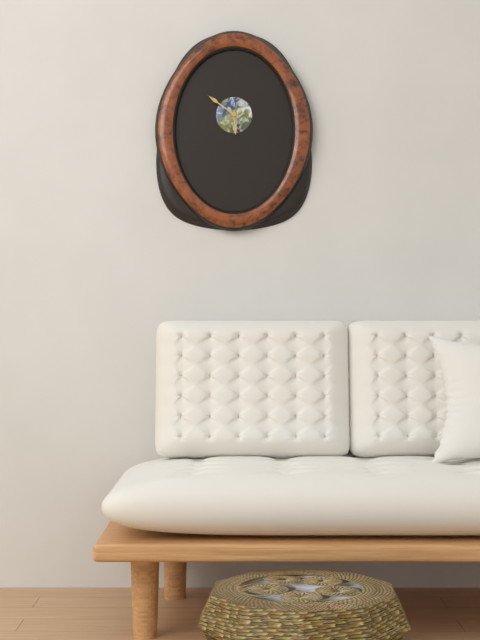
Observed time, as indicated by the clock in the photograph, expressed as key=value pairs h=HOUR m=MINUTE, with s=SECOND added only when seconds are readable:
h=5 m=51
